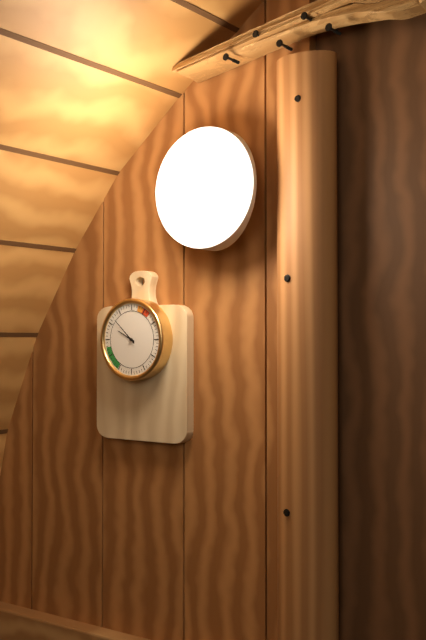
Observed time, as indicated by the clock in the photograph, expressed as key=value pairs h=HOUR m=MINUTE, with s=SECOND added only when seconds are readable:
h=9 m=52
